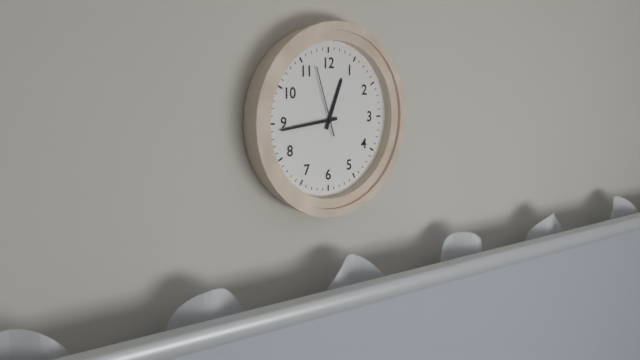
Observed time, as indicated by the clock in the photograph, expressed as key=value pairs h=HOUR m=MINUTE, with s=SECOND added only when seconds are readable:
h=12 m=44 s=57
